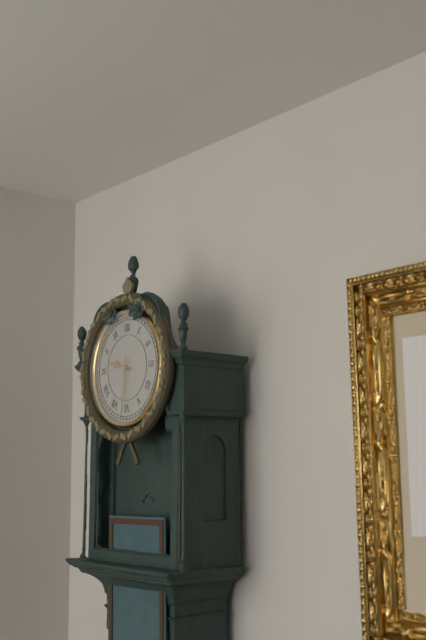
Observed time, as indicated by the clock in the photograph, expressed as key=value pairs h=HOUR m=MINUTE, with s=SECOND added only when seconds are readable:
h=9 m=31
